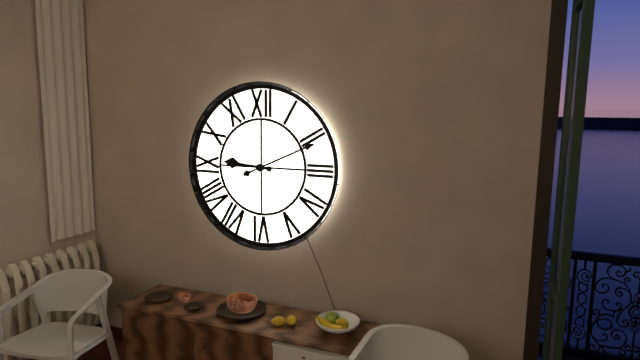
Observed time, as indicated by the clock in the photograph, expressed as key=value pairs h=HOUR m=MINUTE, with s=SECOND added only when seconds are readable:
h=9 m=11
